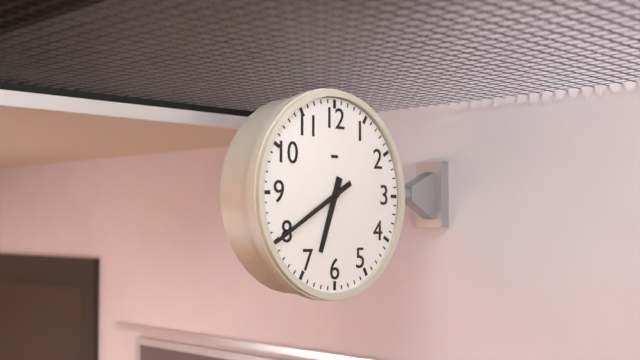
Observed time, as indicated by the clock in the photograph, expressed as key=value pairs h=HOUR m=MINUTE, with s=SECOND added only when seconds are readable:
h=6 m=40
